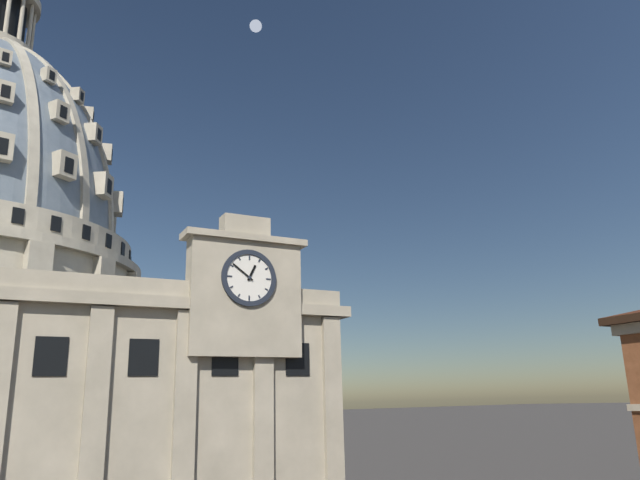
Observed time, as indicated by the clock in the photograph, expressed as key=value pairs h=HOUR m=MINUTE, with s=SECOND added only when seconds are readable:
h=12 m=51
